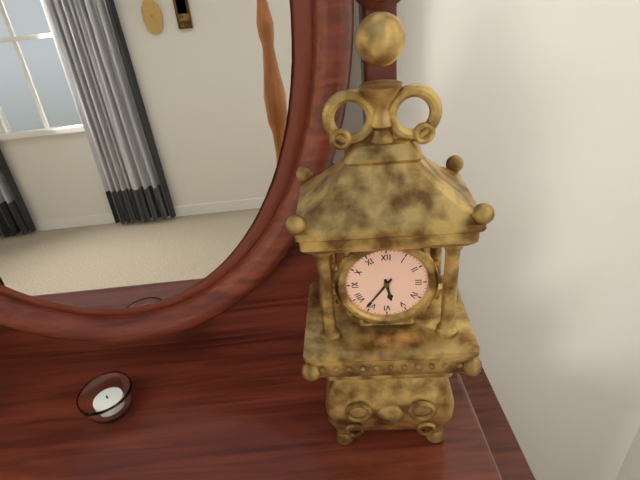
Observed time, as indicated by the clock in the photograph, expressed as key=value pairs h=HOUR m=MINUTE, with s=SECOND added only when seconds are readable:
h=5 m=36
